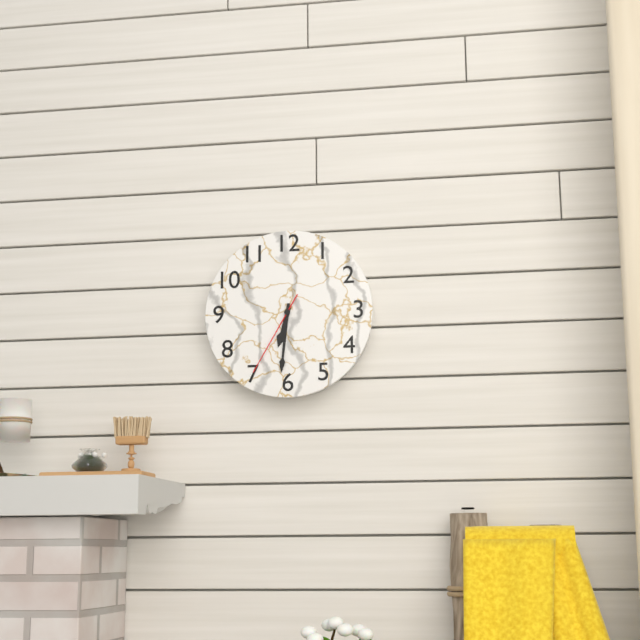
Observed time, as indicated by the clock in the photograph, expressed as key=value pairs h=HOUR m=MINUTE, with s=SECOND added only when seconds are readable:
h=6 m=31 s=35
